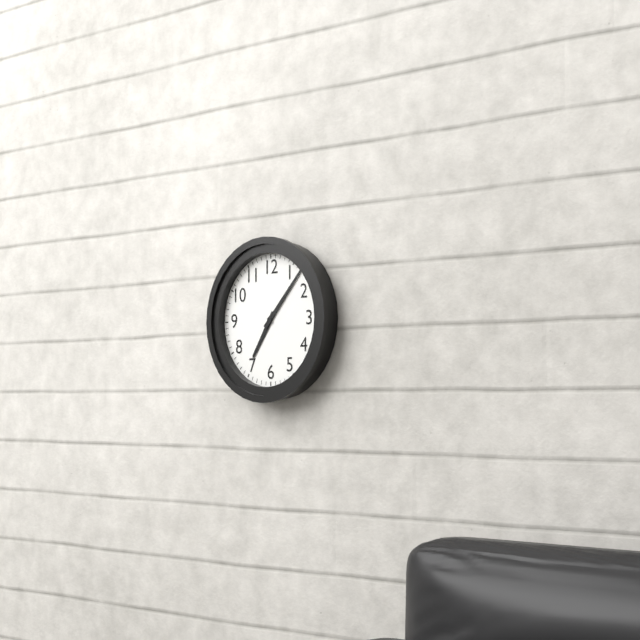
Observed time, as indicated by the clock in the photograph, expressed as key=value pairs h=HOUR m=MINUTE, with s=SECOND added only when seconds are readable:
h=7 m=7
